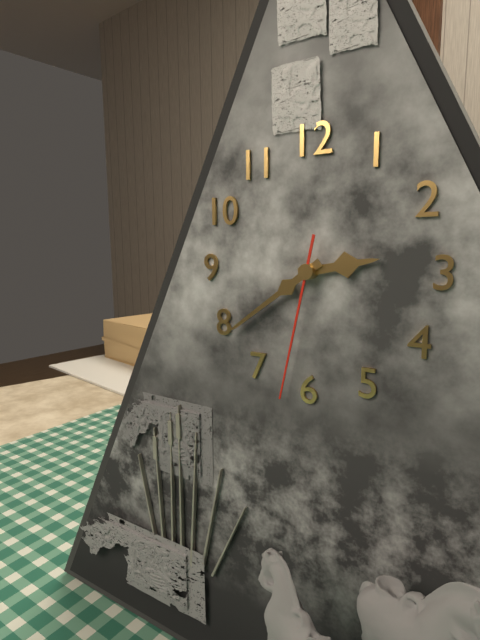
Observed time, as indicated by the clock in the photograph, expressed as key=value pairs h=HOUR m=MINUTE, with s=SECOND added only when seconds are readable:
h=2 m=39 s=32
